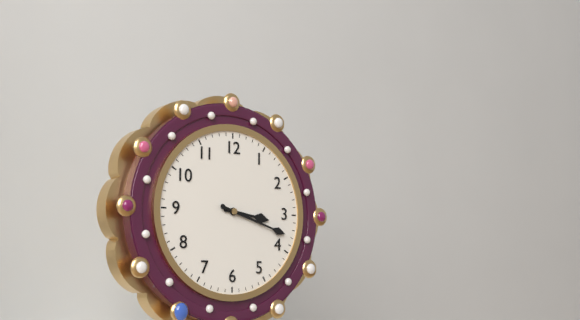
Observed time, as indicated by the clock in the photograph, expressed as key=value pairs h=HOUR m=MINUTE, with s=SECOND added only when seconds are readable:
h=3 m=18
